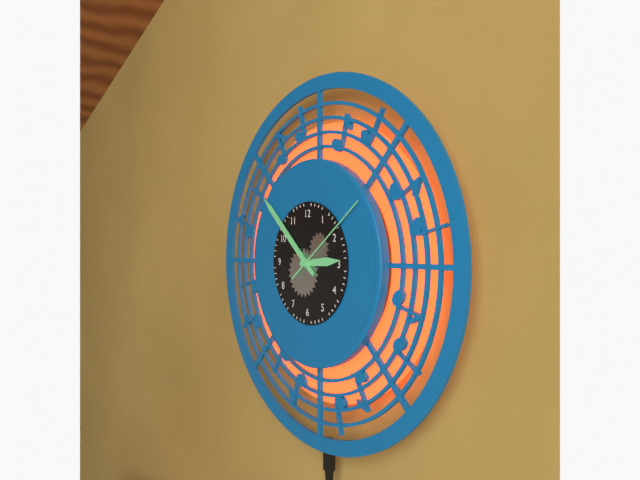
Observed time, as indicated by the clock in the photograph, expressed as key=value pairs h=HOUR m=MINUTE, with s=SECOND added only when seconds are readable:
h=2 m=52 s=9
